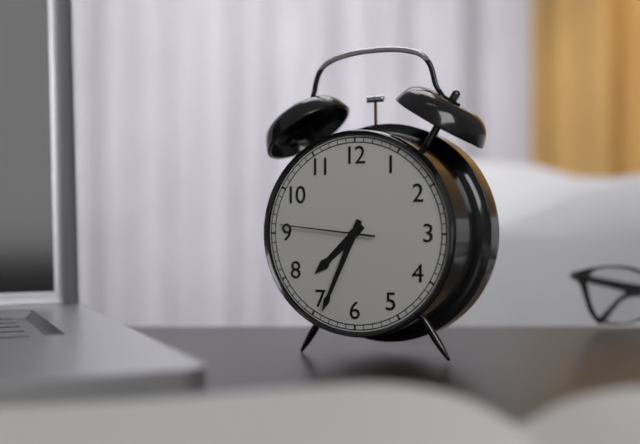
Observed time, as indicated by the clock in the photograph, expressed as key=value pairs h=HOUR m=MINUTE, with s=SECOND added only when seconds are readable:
h=7 m=34 s=46
